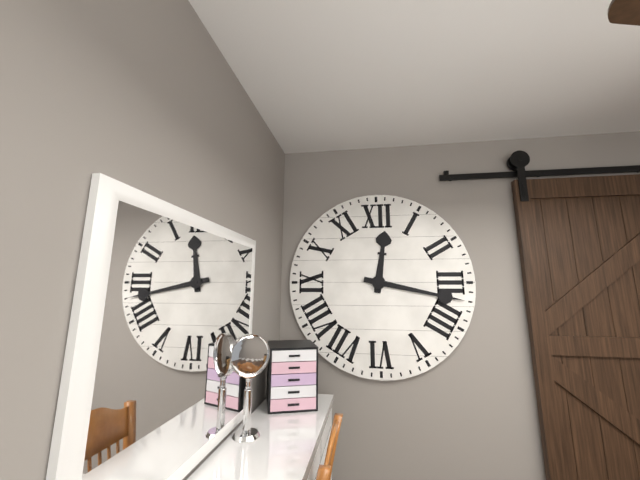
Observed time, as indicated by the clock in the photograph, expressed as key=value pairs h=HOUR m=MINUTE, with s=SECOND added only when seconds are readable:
h=12 m=17
